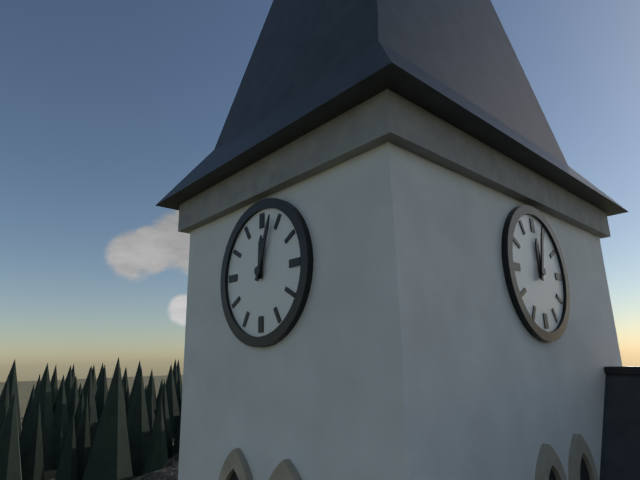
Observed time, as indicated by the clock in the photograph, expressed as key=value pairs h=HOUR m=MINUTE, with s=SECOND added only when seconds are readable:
h=12 m=3
